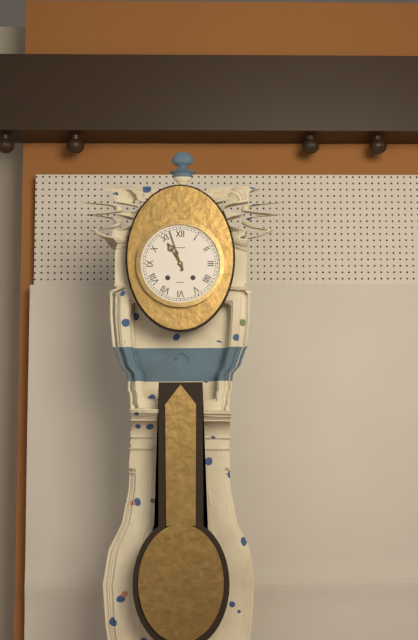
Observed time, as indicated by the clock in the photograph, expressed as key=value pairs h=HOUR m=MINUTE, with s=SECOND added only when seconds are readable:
h=10 m=57
